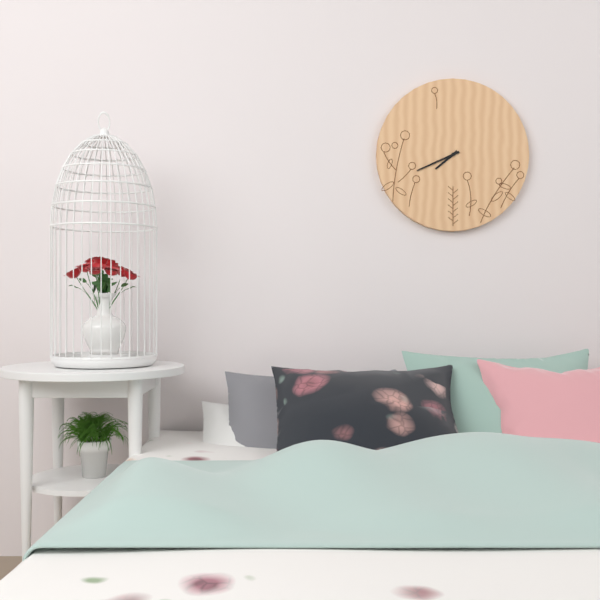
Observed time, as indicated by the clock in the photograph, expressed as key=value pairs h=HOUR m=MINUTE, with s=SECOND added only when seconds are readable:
h=7 m=41
